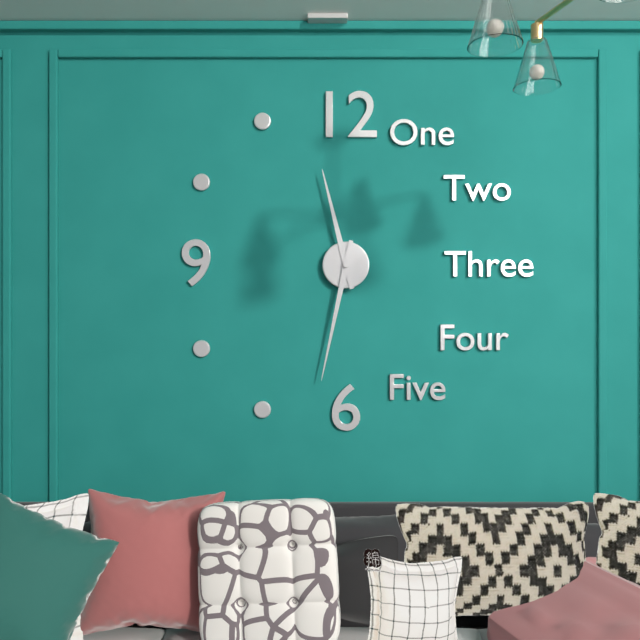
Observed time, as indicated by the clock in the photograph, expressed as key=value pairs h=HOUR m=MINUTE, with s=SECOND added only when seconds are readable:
h=11 m=32
